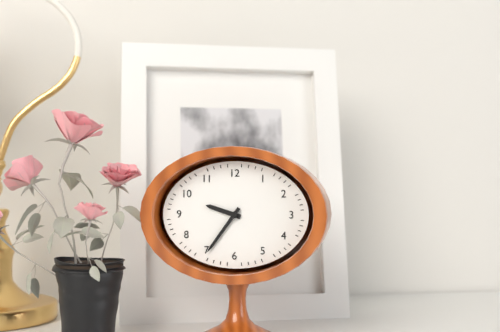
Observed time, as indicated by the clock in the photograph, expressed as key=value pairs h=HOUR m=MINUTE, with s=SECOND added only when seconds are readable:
h=9 m=36
